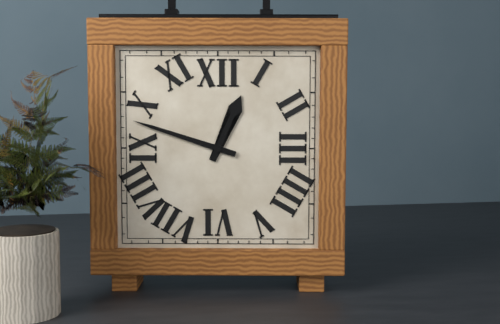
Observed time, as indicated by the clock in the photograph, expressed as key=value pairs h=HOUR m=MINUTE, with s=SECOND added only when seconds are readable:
h=12 m=48
